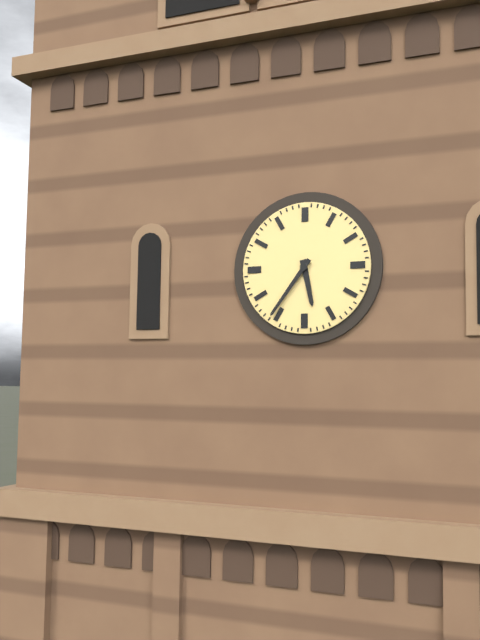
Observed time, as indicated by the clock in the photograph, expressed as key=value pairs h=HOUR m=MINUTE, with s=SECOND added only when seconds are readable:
h=5 m=36
